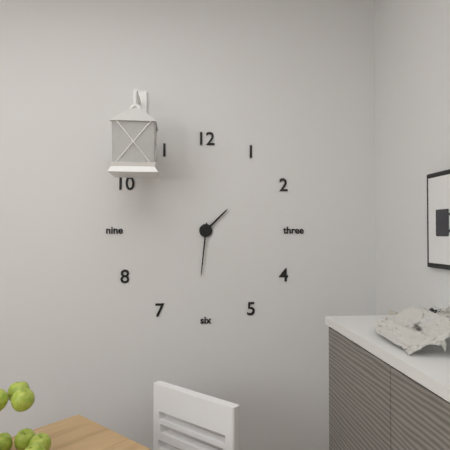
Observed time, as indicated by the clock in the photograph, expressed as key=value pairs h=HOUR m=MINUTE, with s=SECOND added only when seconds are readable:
h=1 m=31
